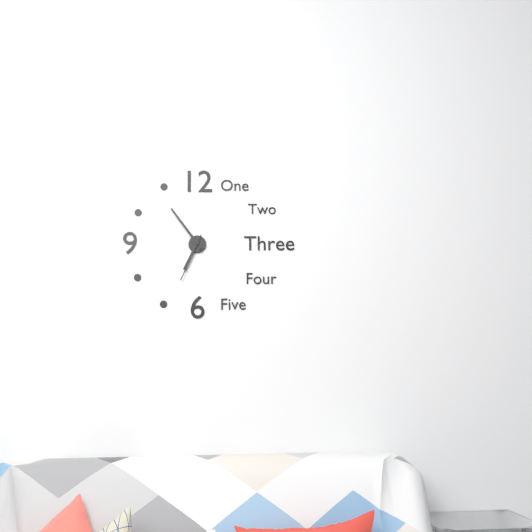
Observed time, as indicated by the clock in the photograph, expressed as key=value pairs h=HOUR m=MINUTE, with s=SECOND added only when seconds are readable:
h=6 m=54 s=34
